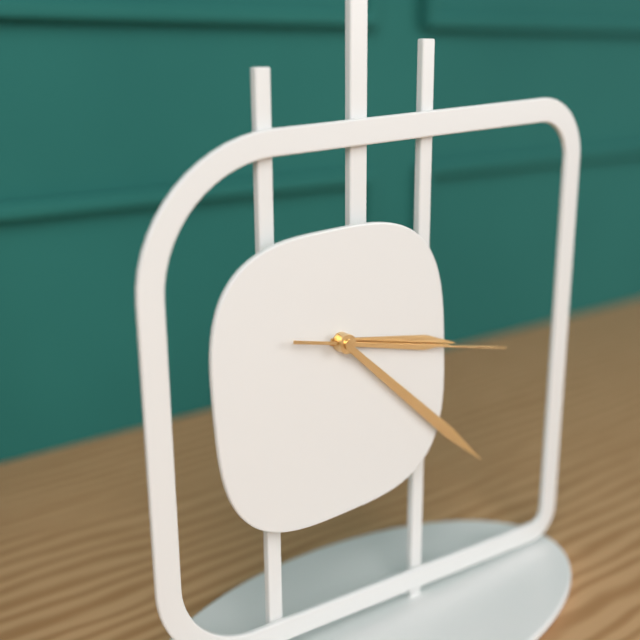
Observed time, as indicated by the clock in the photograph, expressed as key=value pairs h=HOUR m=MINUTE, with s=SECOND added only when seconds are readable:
h=3 m=22 s=17
